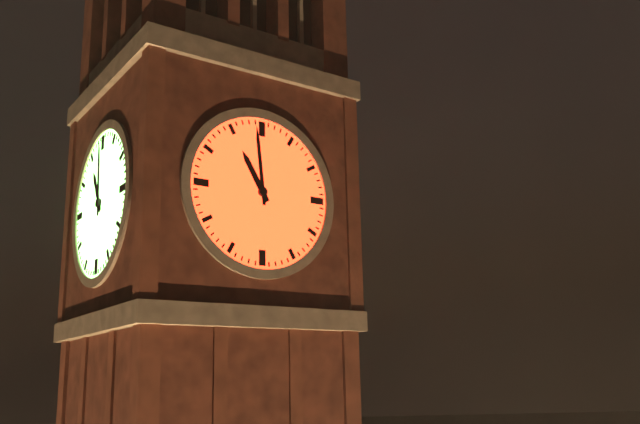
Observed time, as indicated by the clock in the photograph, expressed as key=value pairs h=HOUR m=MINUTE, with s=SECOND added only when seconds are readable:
h=10 m=59
